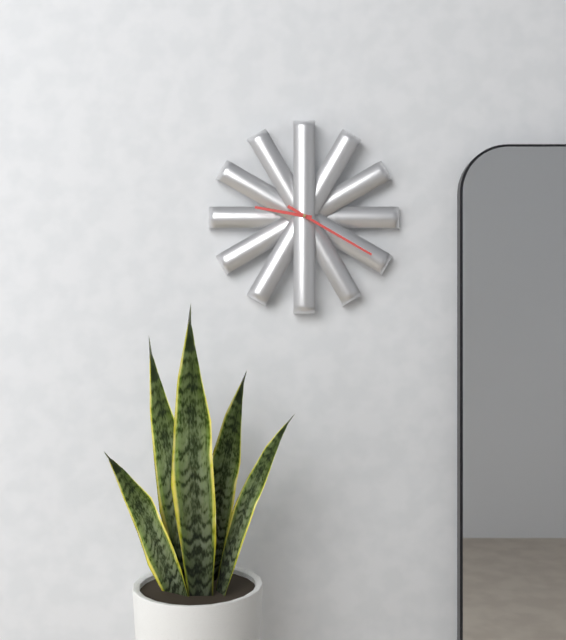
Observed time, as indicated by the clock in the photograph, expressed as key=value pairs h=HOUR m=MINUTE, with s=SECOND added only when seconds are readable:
h=9 m=20
